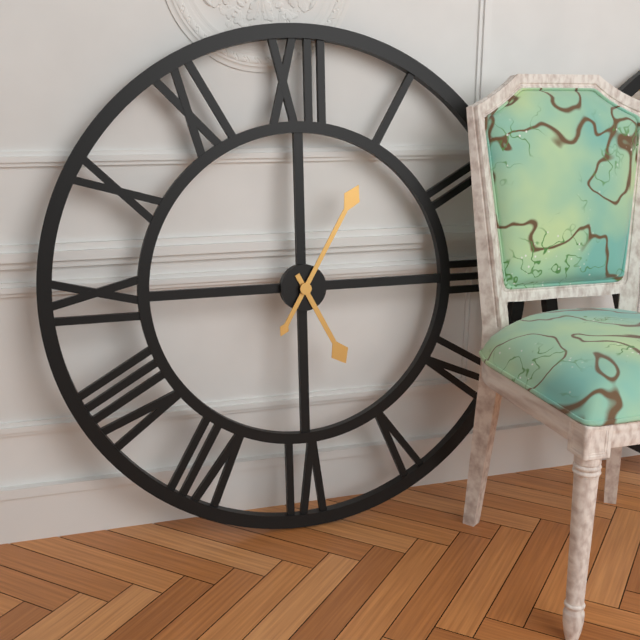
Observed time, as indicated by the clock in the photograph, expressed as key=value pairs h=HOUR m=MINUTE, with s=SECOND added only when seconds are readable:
h=5 m=5
